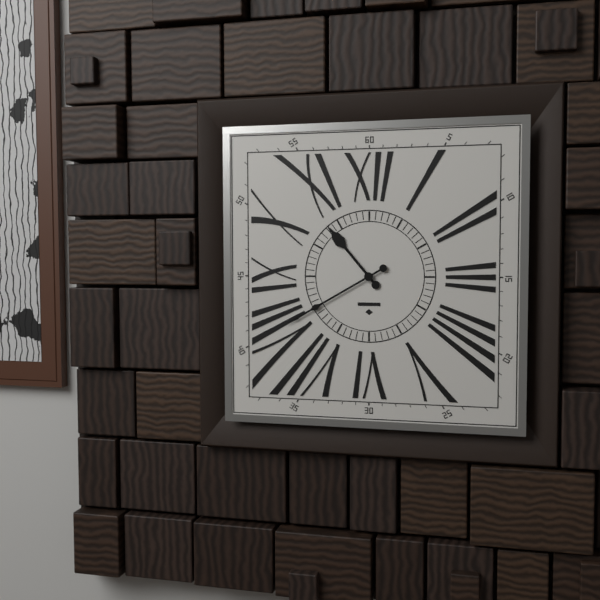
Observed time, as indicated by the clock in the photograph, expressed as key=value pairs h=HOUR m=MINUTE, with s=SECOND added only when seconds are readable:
h=10 m=40
